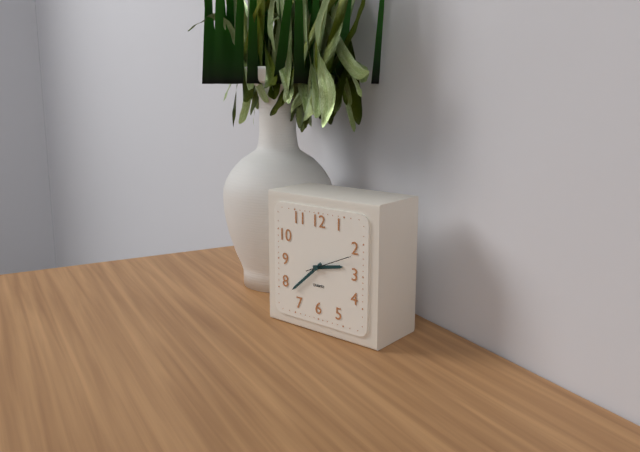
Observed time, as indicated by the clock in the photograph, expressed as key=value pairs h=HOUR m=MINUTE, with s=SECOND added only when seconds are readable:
h=2 m=38
